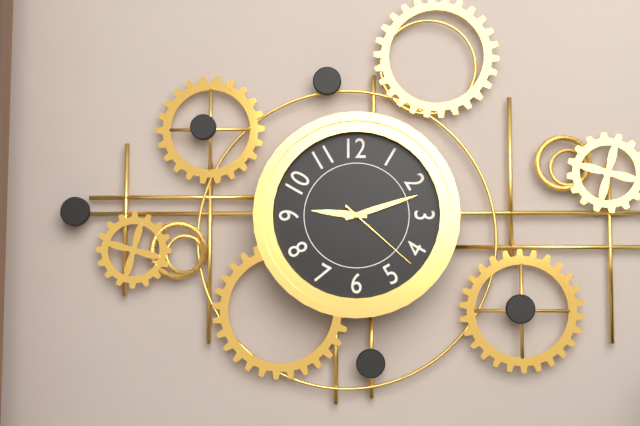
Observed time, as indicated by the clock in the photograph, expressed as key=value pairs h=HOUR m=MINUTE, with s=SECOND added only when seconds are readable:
h=9 m=12 s=22
